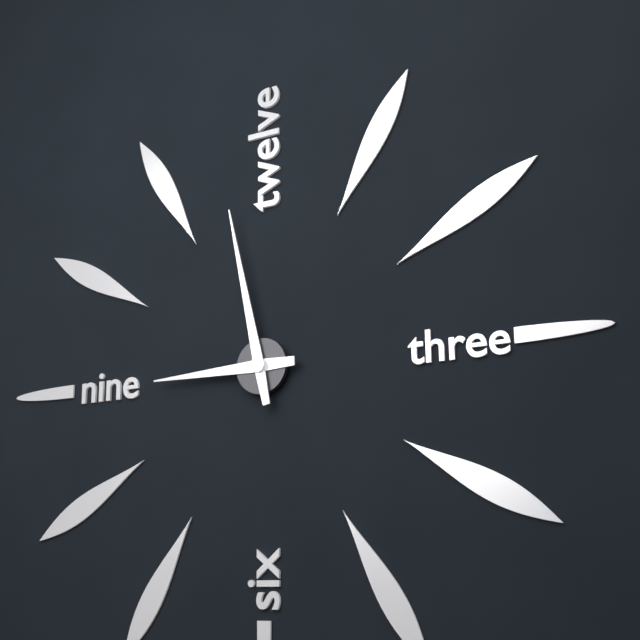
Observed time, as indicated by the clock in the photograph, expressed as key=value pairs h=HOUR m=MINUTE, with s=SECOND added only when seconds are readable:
h=8 m=58
